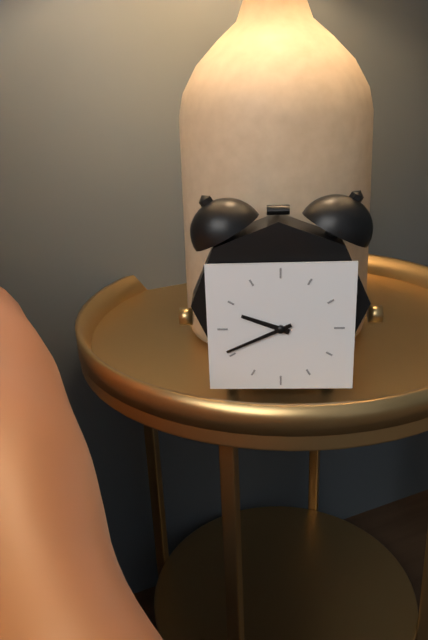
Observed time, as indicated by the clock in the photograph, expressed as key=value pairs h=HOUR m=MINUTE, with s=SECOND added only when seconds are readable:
h=9 m=41
